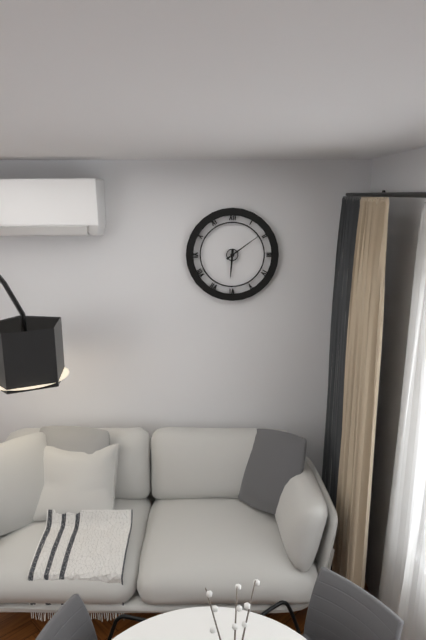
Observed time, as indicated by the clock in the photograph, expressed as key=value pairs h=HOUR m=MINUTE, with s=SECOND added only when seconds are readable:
h=6 m=9
